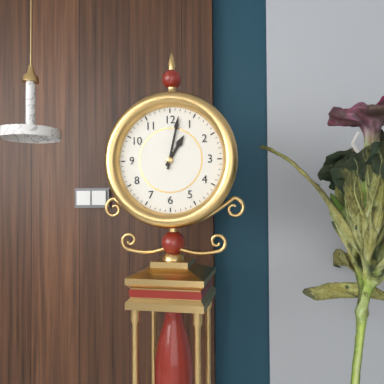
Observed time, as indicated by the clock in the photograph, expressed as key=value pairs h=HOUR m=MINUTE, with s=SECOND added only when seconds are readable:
h=1 m=2
